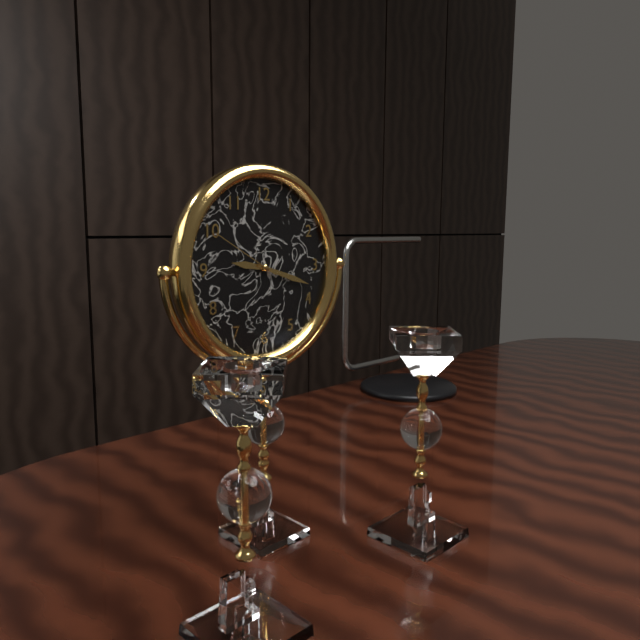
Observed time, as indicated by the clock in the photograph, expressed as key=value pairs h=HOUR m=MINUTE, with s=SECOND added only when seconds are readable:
h=9 m=18 s=50
